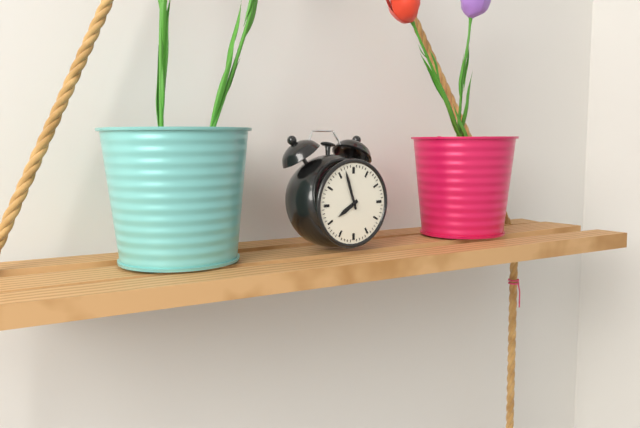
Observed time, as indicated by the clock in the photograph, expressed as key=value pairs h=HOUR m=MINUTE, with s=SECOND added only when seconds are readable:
h=7 m=57
